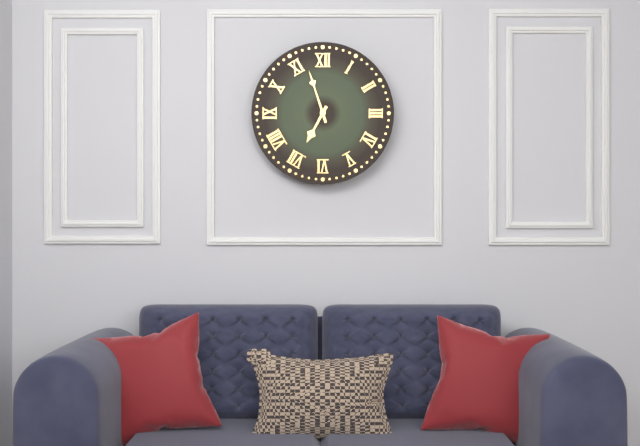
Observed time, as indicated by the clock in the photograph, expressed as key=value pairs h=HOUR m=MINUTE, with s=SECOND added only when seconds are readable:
h=6 m=57
